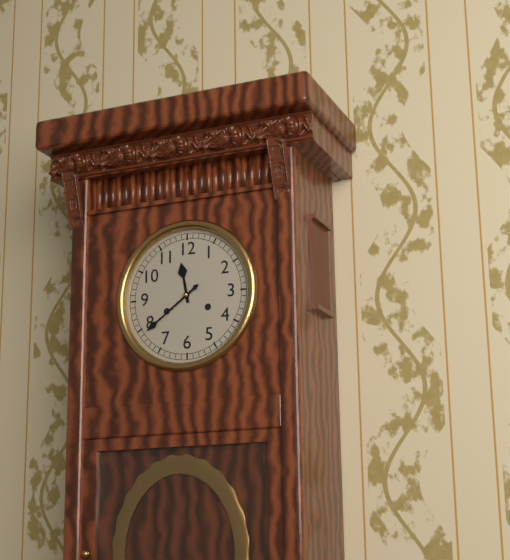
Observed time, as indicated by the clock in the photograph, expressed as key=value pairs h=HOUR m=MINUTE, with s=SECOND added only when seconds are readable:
h=11 m=39
